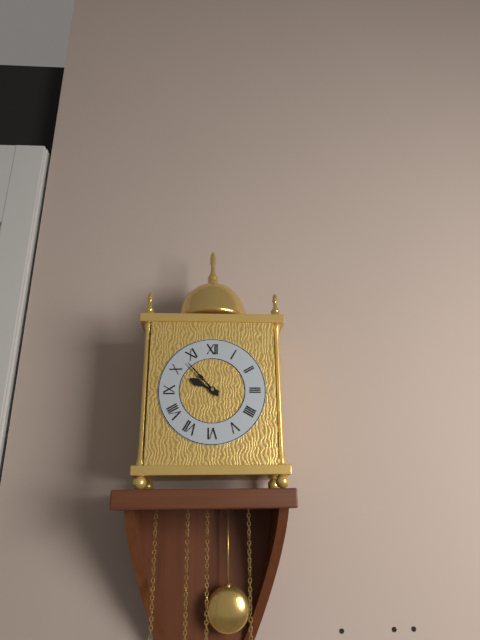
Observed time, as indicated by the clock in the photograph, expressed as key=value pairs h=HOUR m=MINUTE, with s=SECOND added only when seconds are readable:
h=9 m=53
